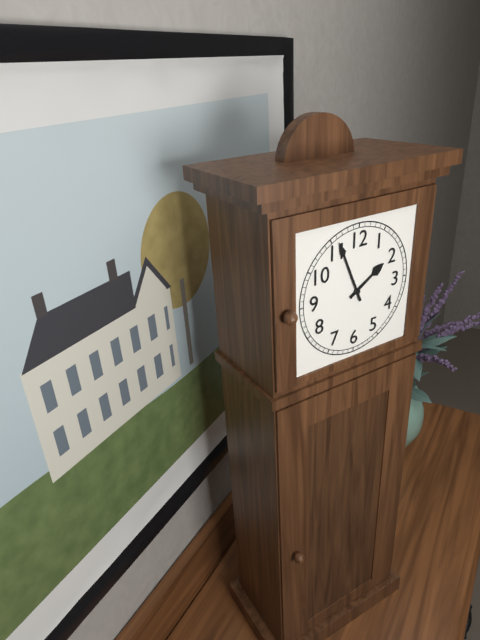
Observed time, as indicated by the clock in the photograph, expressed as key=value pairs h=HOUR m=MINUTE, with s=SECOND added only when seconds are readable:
h=1 m=56
